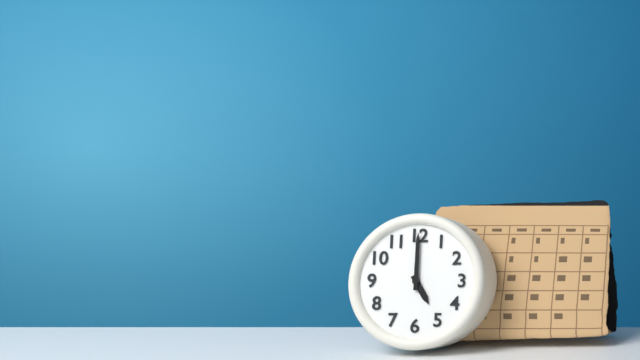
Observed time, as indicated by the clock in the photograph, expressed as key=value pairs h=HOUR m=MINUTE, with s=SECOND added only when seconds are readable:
h=5 m=0
